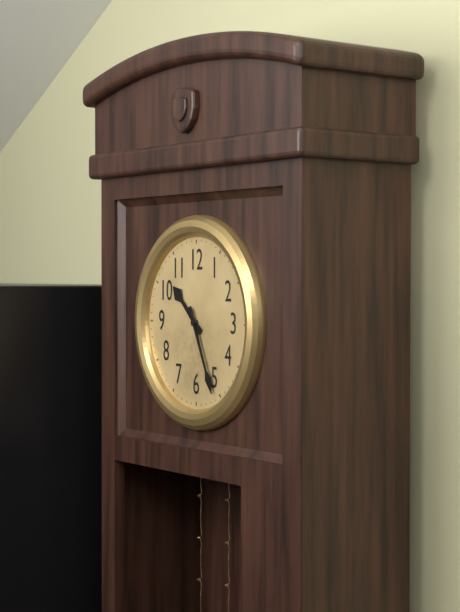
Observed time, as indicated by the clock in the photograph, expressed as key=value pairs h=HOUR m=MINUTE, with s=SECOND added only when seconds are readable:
h=10 m=26
